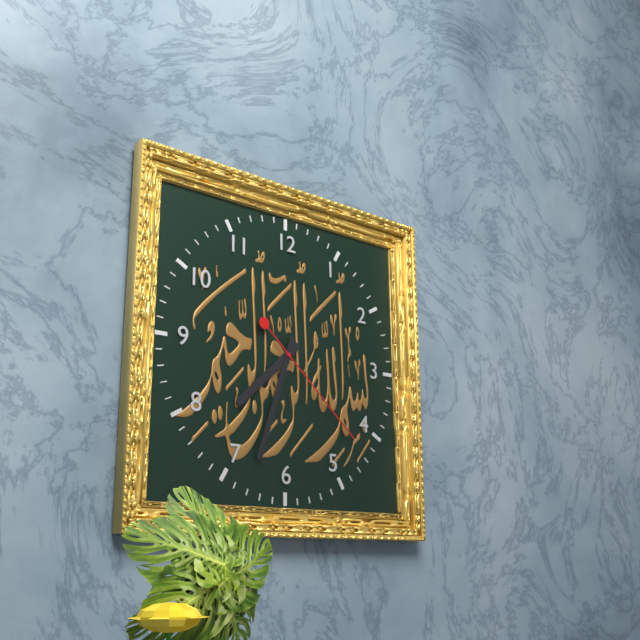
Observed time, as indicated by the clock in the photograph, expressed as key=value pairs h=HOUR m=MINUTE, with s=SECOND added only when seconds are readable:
h=7 m=33 s=22
